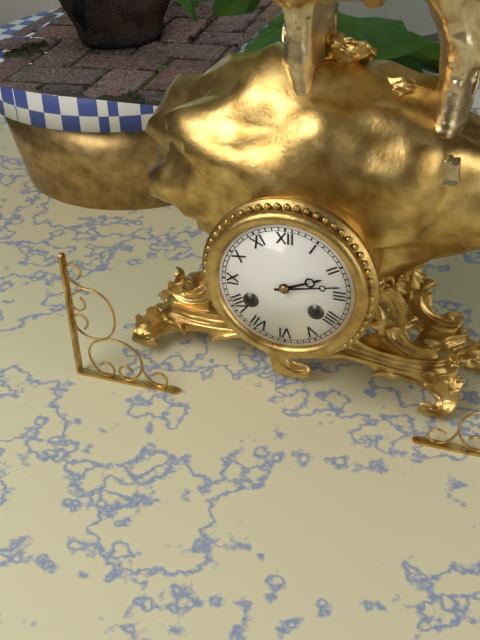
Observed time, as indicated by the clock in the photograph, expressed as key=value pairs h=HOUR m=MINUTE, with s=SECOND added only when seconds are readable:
h=2 m=13
